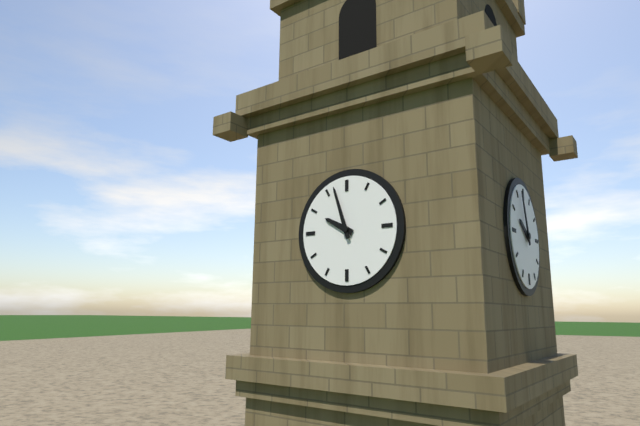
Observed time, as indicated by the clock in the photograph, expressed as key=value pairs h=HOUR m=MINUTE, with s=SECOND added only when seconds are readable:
h=9 m=57
